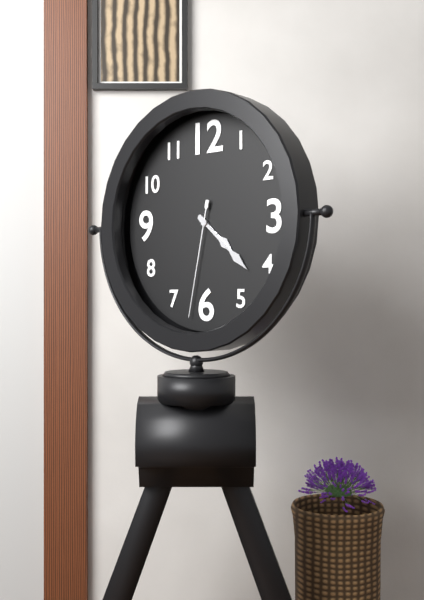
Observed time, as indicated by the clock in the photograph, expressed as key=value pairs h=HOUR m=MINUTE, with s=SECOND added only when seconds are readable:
h=4 m=22 s=32
